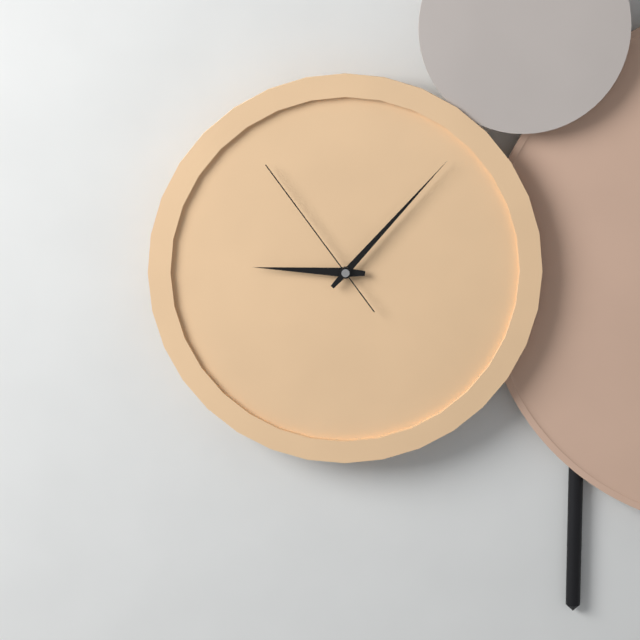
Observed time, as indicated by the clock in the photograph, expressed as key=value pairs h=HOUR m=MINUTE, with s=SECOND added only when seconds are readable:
h=9 m=7 s=54
